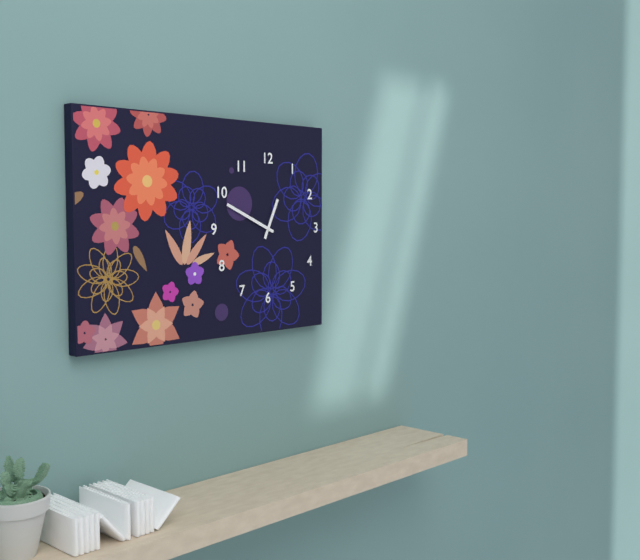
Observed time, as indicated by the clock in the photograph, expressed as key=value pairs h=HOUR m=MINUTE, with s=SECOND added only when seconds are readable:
h=12 m=49
